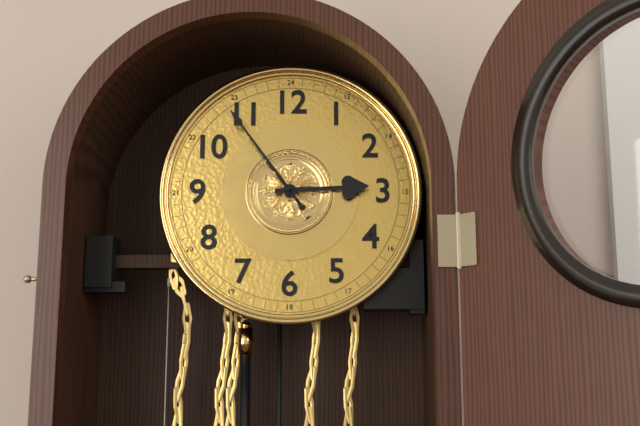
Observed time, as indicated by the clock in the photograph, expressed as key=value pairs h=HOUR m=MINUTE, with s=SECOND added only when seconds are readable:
h=2 m=54
